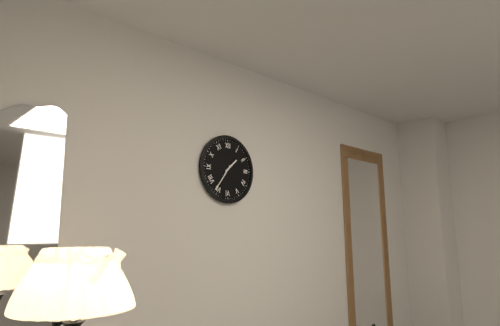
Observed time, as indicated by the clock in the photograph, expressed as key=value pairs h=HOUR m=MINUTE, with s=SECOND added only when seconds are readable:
h=1 m=36
